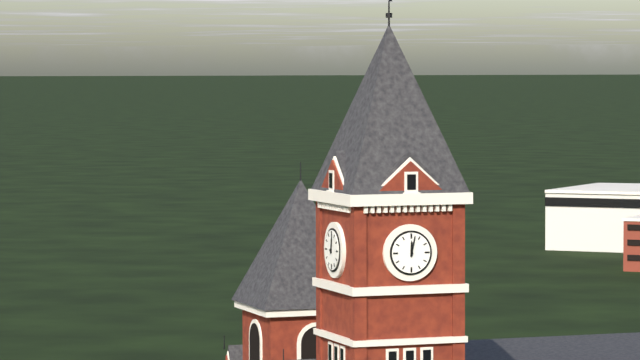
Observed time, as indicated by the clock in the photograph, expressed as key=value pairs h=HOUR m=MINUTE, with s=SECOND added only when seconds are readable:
h=12 m=2
